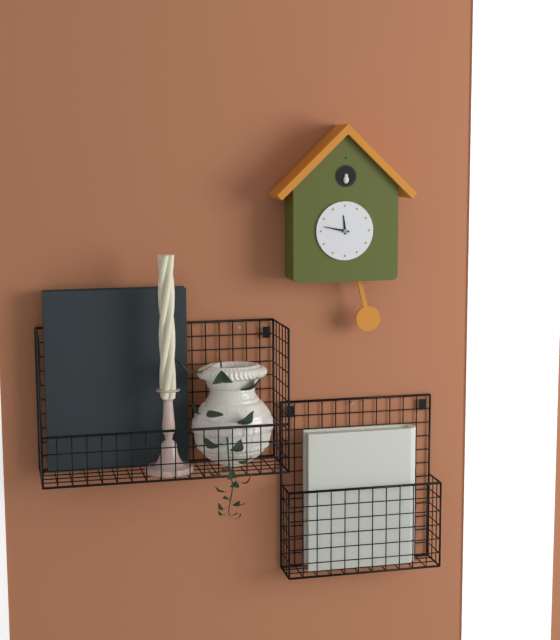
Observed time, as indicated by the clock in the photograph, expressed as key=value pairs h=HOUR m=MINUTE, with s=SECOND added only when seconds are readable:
h=11 m=47
